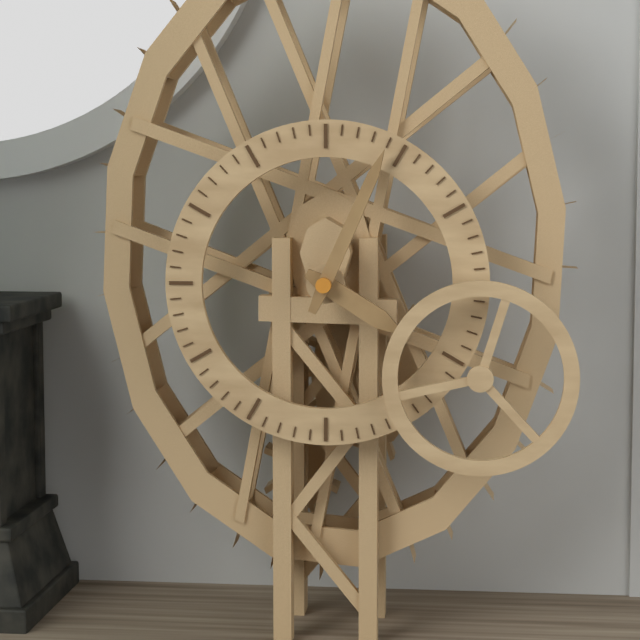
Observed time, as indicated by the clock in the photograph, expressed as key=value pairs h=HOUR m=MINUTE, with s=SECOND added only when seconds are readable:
h=4 m=4
